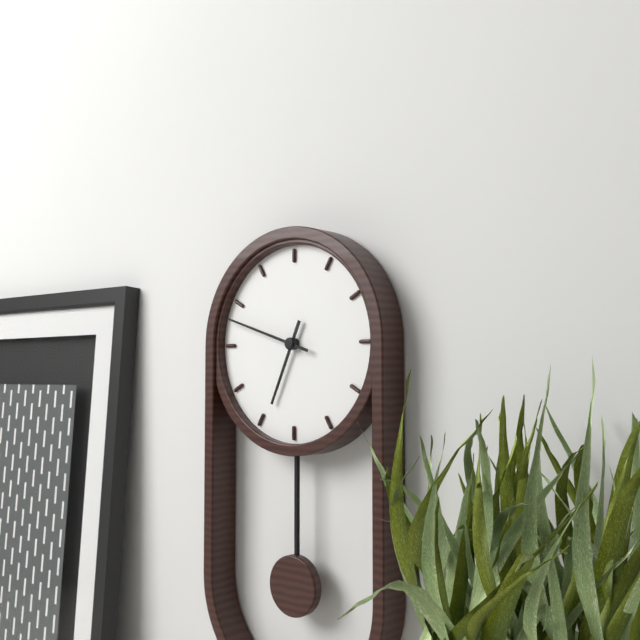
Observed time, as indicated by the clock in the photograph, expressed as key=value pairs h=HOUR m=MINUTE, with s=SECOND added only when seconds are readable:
h=6 m=48
